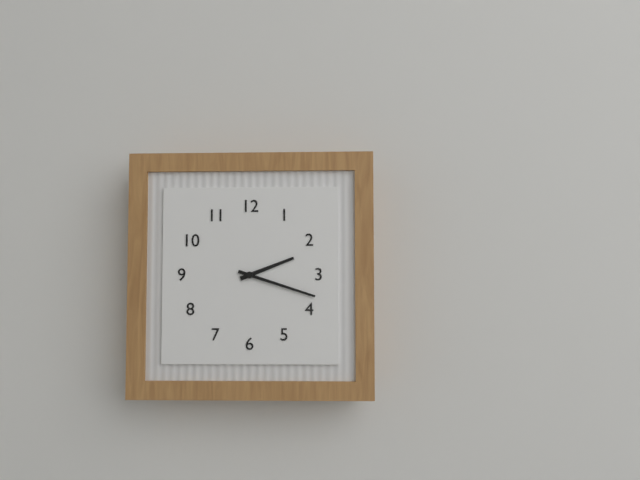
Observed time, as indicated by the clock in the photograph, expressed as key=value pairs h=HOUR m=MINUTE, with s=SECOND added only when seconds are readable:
h=2 m=18
